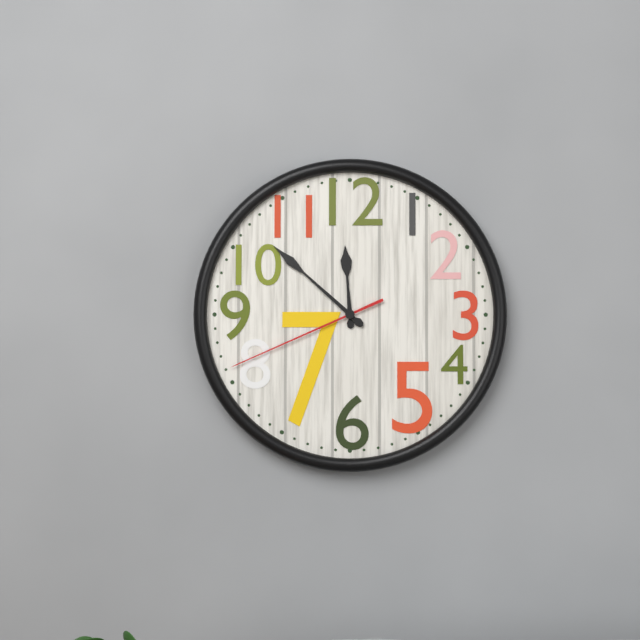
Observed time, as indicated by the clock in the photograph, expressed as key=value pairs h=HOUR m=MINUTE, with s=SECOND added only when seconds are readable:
h=11 m=52 s=41
